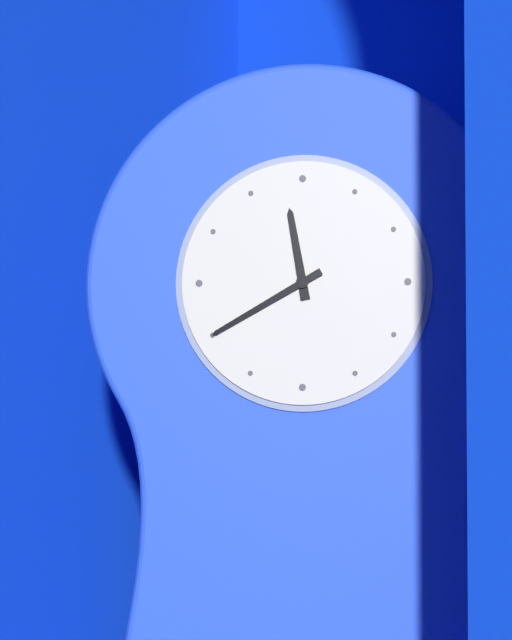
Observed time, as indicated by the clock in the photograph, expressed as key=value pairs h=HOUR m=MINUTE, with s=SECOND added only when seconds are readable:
h=11 m=40
